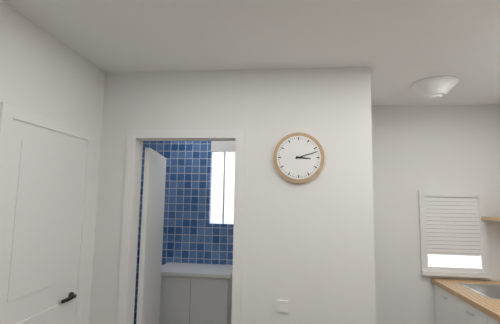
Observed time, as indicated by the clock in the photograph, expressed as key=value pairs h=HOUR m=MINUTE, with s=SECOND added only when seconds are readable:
h=3 m=12
